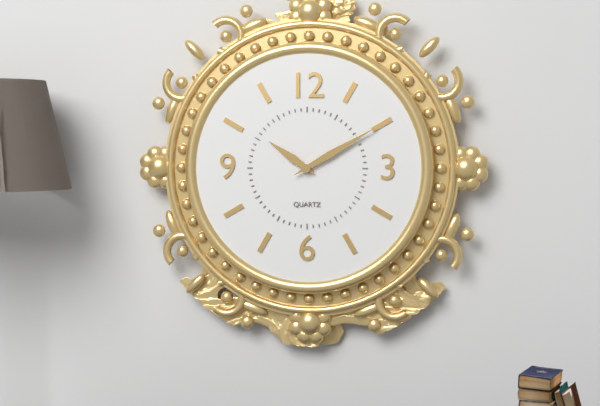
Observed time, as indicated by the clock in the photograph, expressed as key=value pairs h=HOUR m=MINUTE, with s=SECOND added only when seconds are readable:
h=10 m=10
